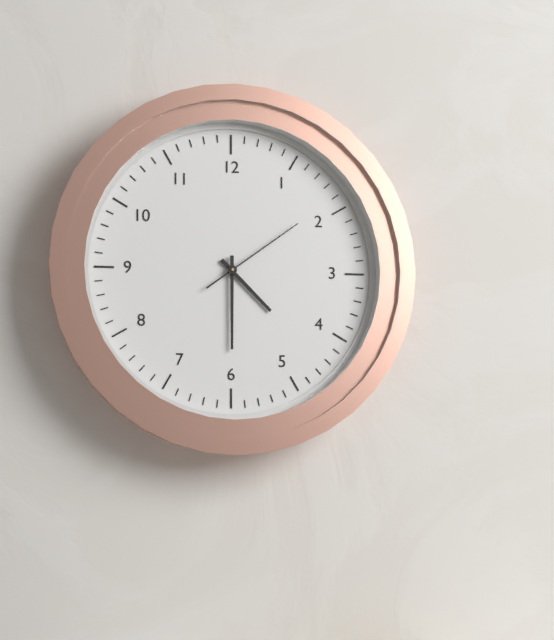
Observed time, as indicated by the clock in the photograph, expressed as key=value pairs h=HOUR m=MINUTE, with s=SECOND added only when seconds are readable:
h=4 m=30 s=9
